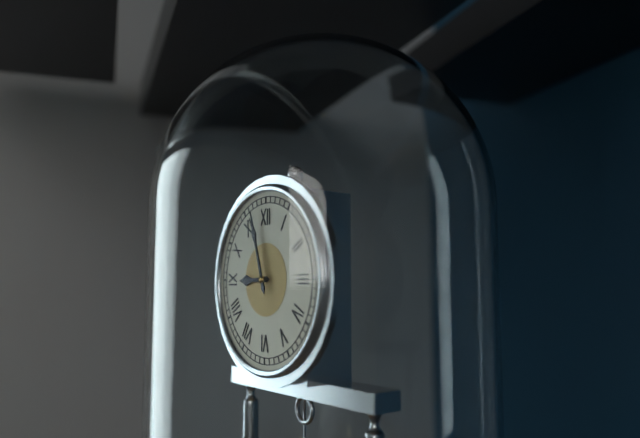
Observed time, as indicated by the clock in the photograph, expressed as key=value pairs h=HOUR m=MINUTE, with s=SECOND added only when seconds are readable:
h=8 m=57
